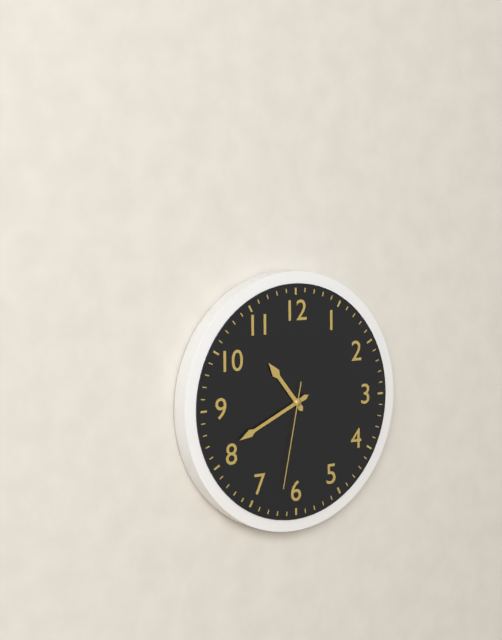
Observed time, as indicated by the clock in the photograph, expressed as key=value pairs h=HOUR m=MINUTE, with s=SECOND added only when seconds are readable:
h=10 m=41 s=32
